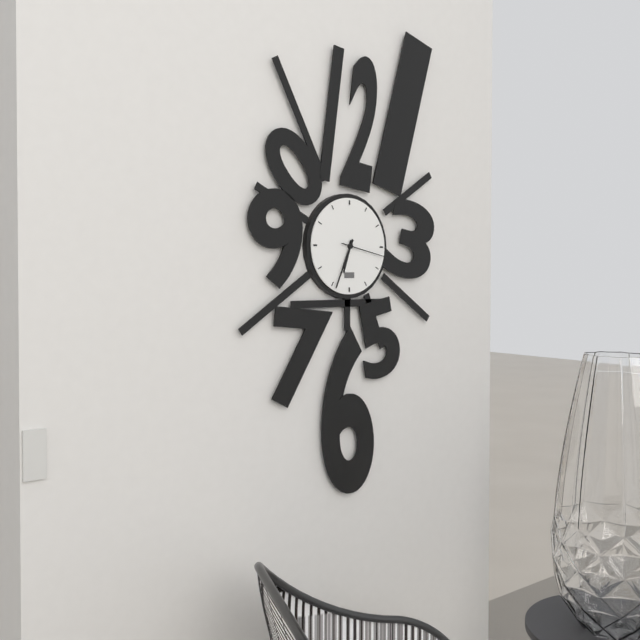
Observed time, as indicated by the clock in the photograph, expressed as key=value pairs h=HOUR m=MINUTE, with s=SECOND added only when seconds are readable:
h=6 m=34
